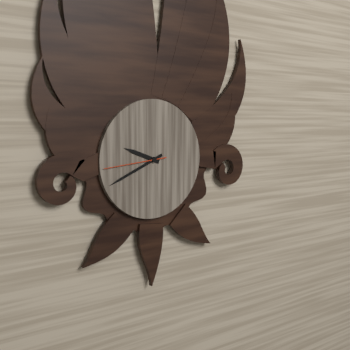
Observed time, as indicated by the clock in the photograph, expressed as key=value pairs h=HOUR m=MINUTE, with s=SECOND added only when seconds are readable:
h=9 m=41 s=44
